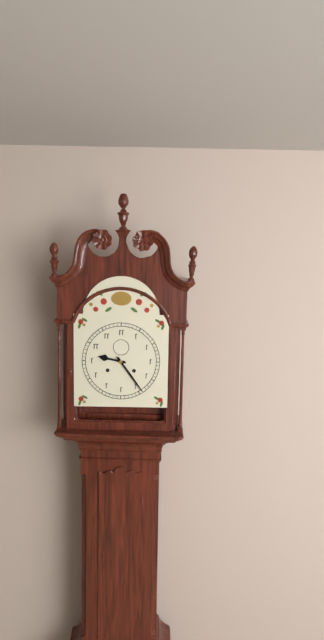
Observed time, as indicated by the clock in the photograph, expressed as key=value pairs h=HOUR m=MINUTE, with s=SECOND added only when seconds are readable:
h=9 m=24
